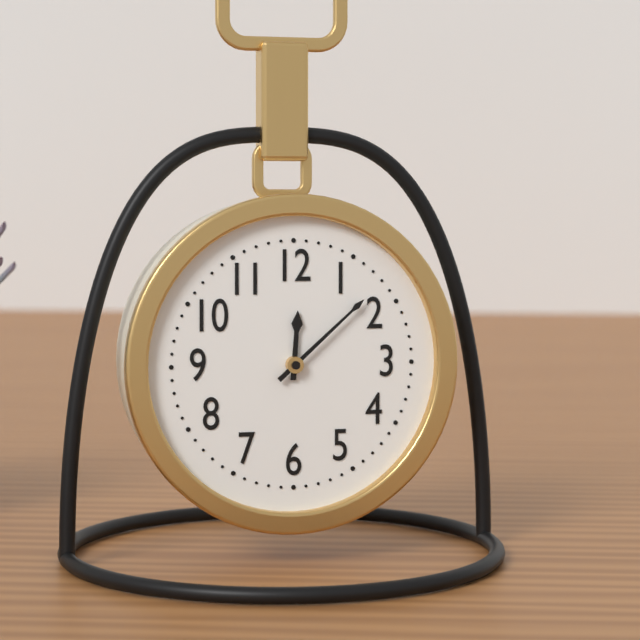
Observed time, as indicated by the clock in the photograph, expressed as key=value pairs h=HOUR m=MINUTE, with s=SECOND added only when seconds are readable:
h=12 m=8
